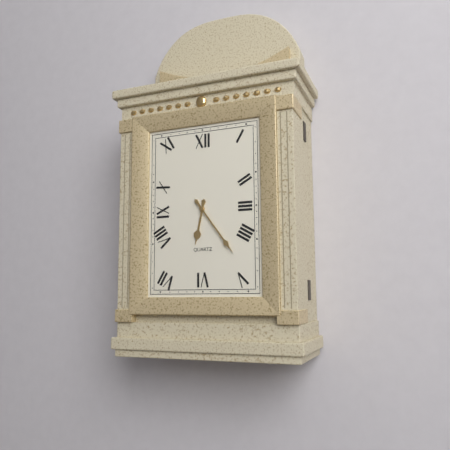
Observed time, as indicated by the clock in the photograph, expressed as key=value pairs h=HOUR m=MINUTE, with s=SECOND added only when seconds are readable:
h=6 m=24
